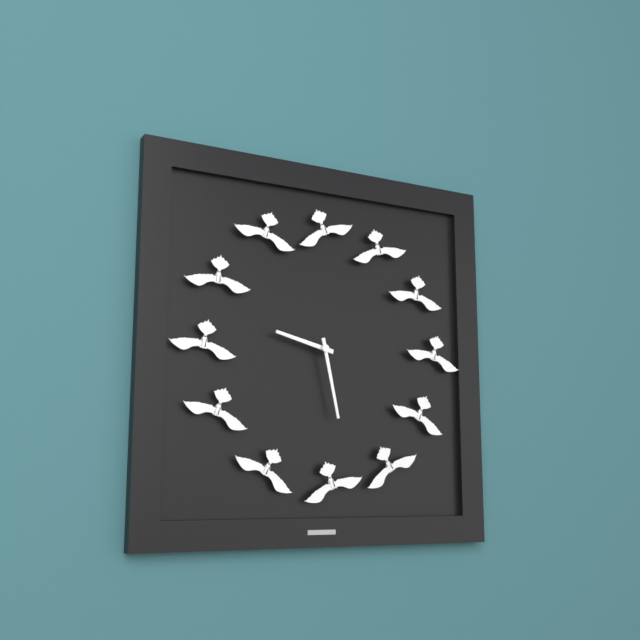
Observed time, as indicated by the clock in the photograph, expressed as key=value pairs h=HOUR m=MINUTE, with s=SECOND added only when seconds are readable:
h=9 m=28
